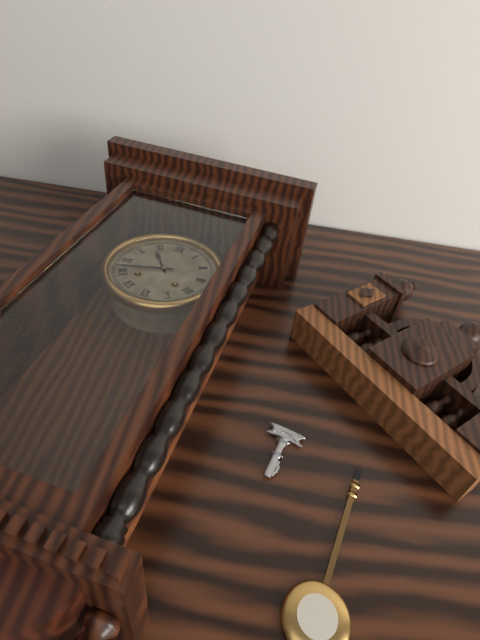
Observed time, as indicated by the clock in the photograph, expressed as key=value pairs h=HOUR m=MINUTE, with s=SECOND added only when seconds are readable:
h=10 m=42
